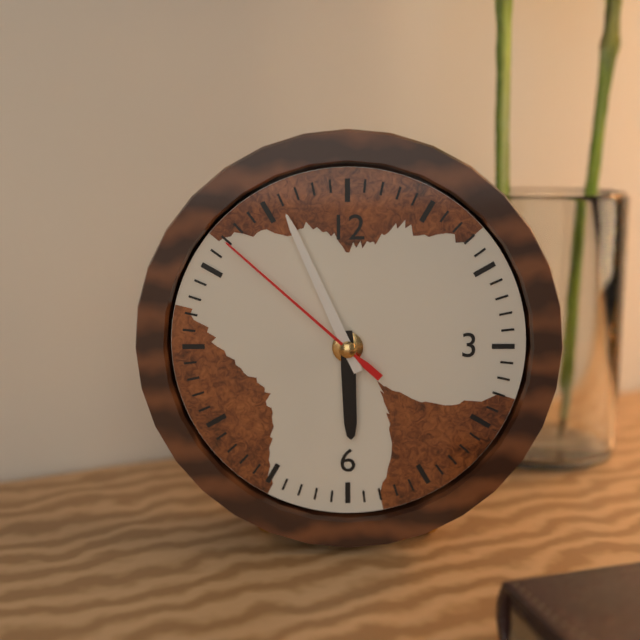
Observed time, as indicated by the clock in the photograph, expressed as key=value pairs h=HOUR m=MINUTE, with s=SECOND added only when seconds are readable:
h=5 m=56 s=52
